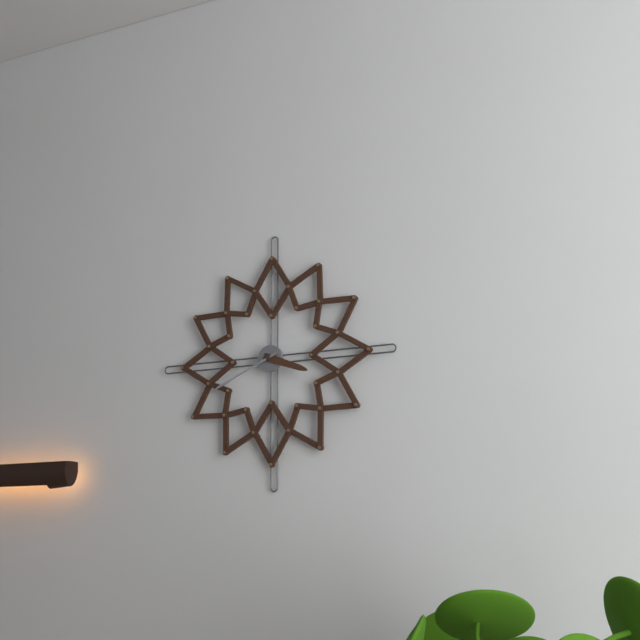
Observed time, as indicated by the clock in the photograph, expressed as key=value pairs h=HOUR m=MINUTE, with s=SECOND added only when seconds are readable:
h=3 m=41
